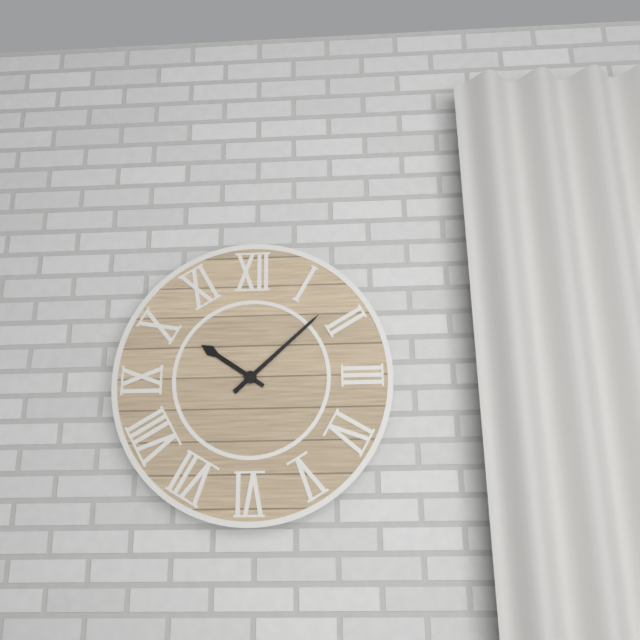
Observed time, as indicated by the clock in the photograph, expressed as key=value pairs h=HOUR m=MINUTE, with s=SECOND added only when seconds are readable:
h=10 m=8
